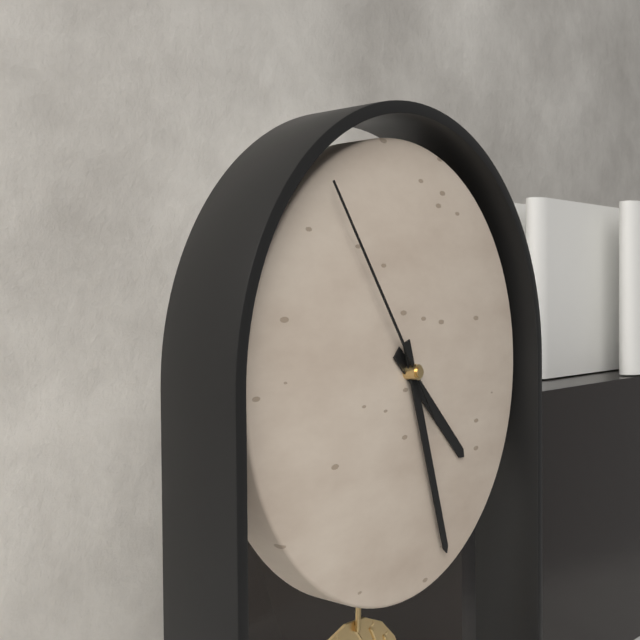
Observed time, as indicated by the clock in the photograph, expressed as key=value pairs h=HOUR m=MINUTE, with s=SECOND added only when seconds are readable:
h=4 m=27 s=54
